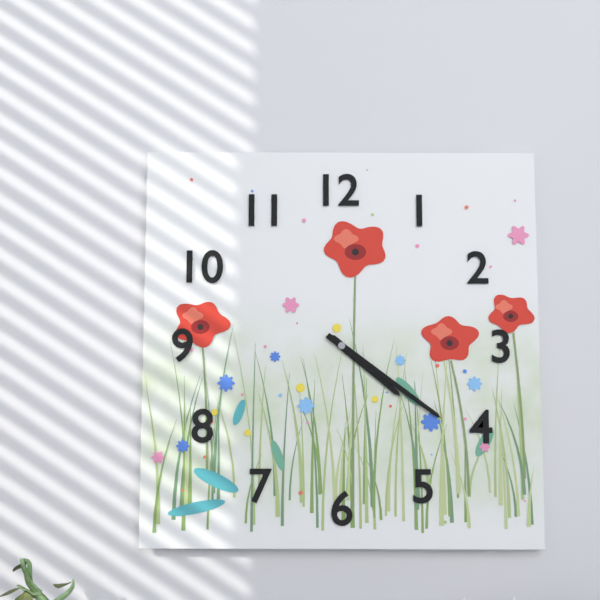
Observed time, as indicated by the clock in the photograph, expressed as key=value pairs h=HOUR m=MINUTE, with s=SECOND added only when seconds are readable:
h=4 m=21
